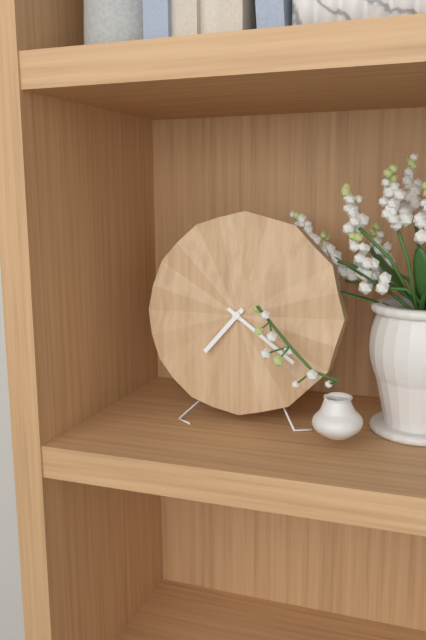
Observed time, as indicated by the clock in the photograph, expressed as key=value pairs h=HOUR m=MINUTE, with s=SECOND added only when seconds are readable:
h=7 m=21
